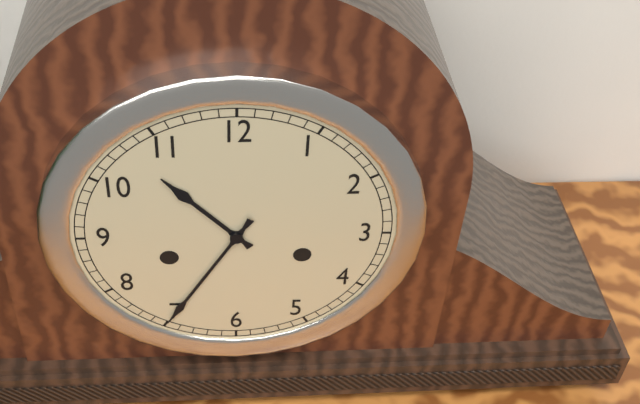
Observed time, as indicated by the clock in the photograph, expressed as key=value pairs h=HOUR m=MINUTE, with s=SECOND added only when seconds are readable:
h=10 m=35
